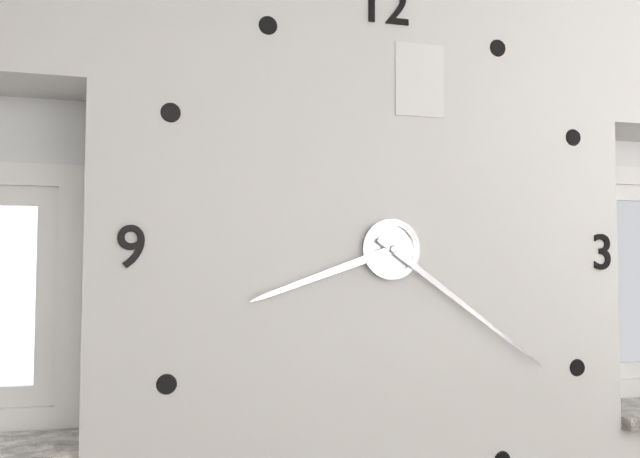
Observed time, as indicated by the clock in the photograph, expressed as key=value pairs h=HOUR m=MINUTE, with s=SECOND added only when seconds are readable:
h=8 m=21
